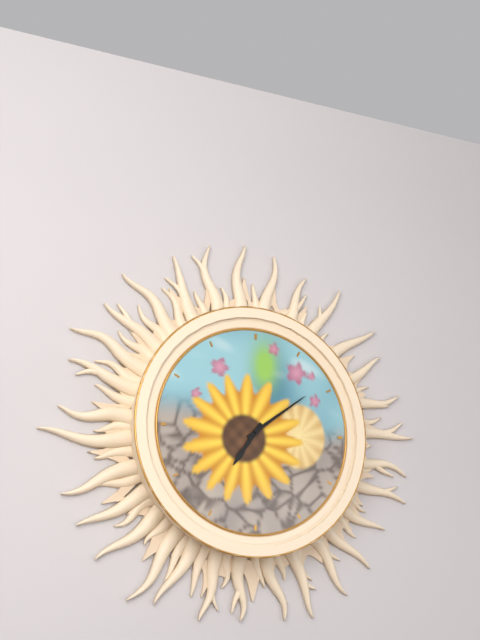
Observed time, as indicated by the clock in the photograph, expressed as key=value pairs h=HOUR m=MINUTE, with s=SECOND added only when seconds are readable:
h=7 m=9
